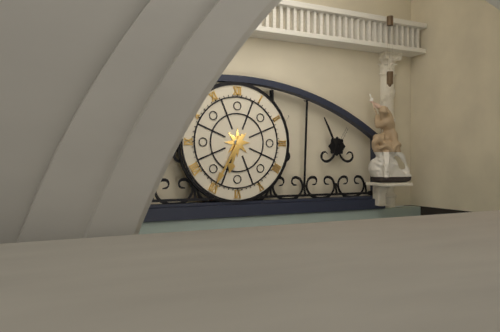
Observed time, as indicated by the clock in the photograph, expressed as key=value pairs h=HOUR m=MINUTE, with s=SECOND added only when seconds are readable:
h=6 m=35
